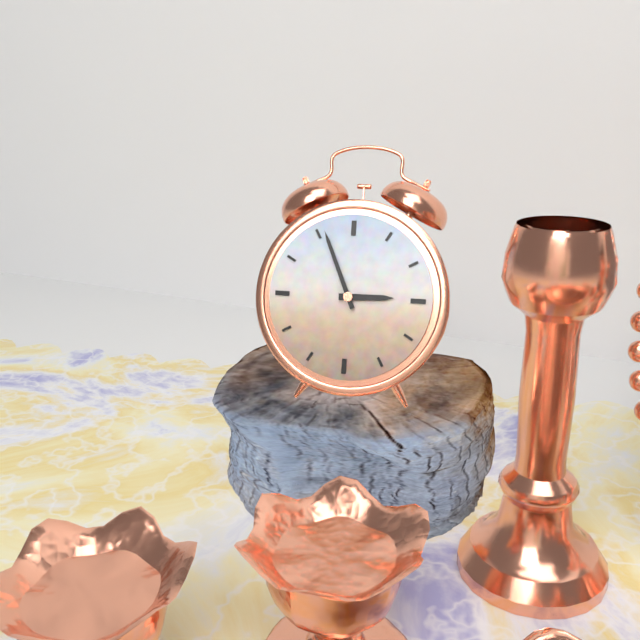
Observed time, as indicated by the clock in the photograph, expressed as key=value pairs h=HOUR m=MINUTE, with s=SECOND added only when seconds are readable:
h=2 m=56
